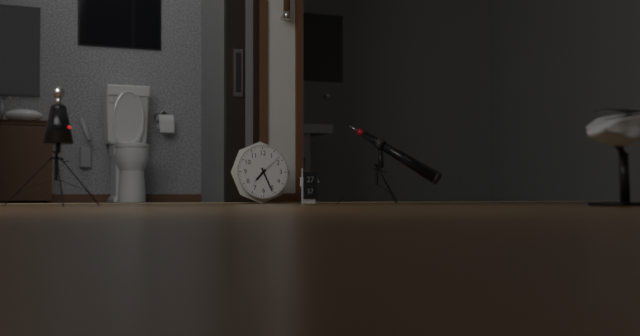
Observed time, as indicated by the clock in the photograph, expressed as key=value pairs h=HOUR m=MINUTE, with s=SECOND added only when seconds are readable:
h=7 m=26
